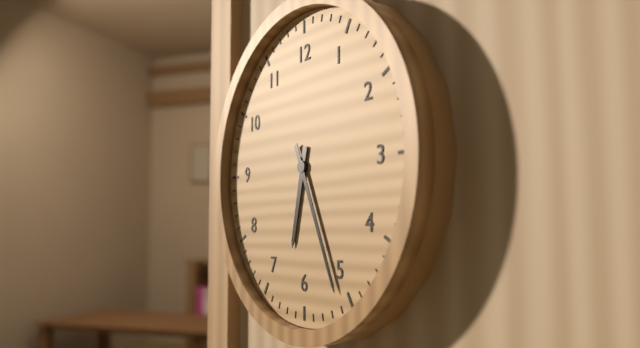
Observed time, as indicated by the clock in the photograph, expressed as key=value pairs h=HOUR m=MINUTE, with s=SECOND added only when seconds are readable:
h=6 m=26
